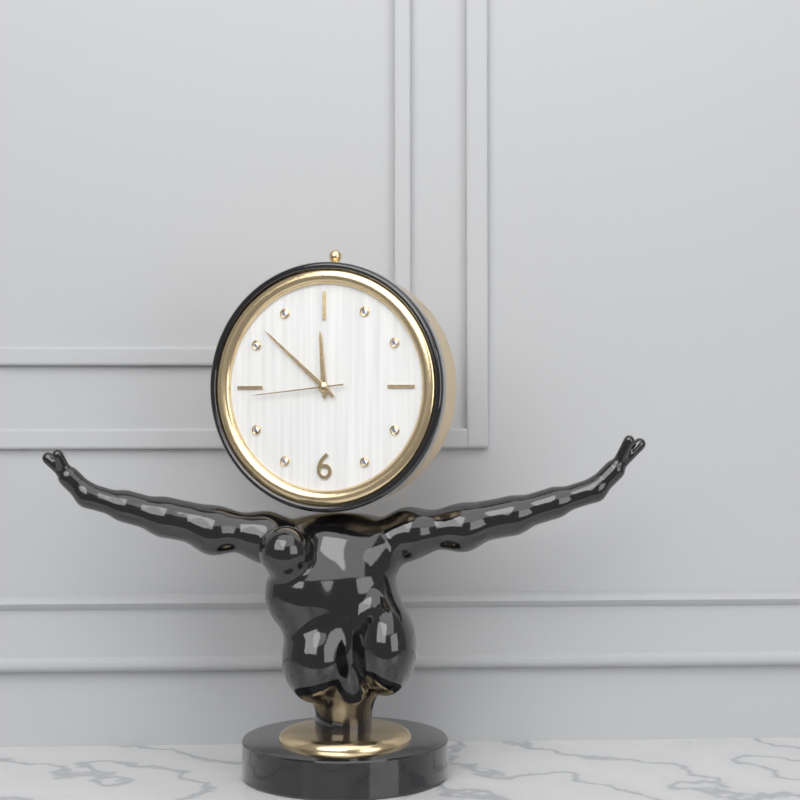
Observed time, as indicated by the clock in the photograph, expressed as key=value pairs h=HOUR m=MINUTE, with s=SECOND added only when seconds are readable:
h=11 m=52 s=44
